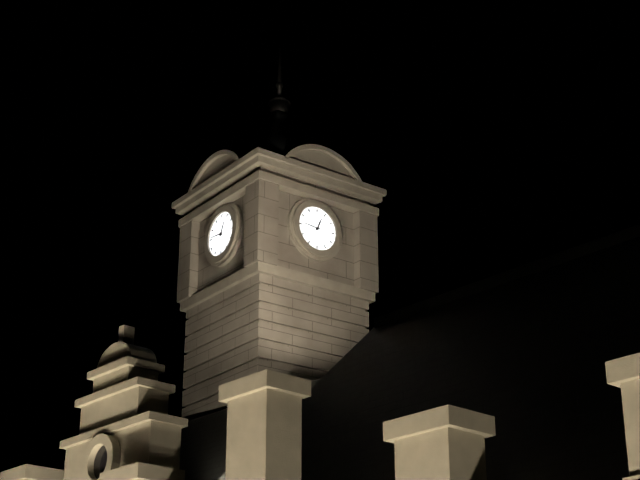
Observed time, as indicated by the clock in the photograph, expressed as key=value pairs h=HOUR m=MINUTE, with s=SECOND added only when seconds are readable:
h=12 m=46
